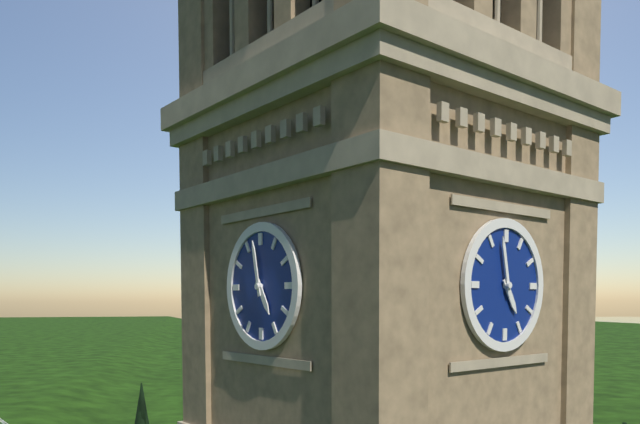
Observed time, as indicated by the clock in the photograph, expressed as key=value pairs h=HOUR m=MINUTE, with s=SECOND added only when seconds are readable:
h=4 m=58
